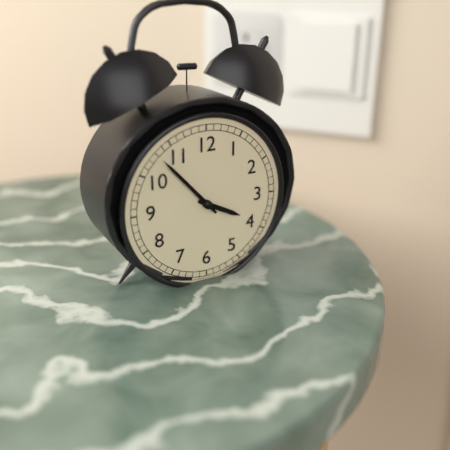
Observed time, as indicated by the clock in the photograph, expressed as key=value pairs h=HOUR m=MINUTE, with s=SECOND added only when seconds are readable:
h=3 m=53
